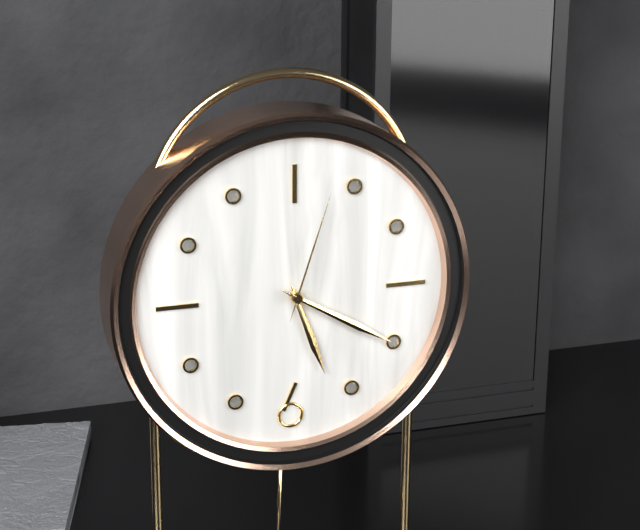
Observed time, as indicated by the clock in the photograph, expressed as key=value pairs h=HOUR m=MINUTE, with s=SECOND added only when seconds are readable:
h=5 m=20 s=3
